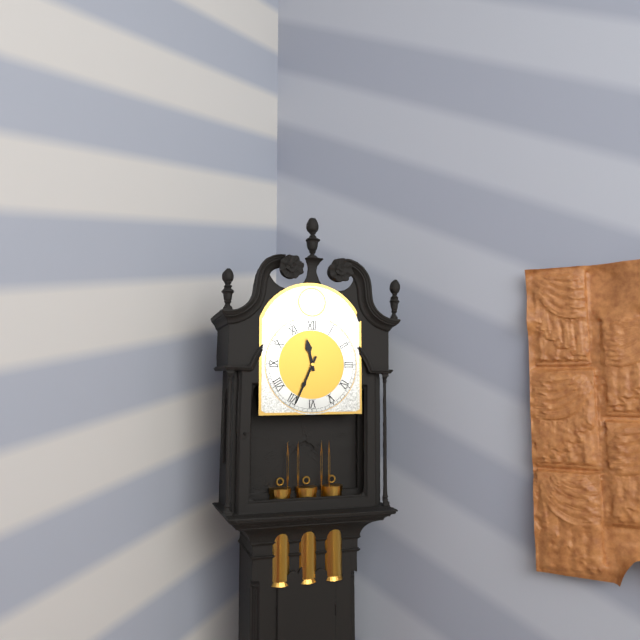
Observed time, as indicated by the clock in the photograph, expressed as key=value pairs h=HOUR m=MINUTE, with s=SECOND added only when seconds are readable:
h=11 m=34
